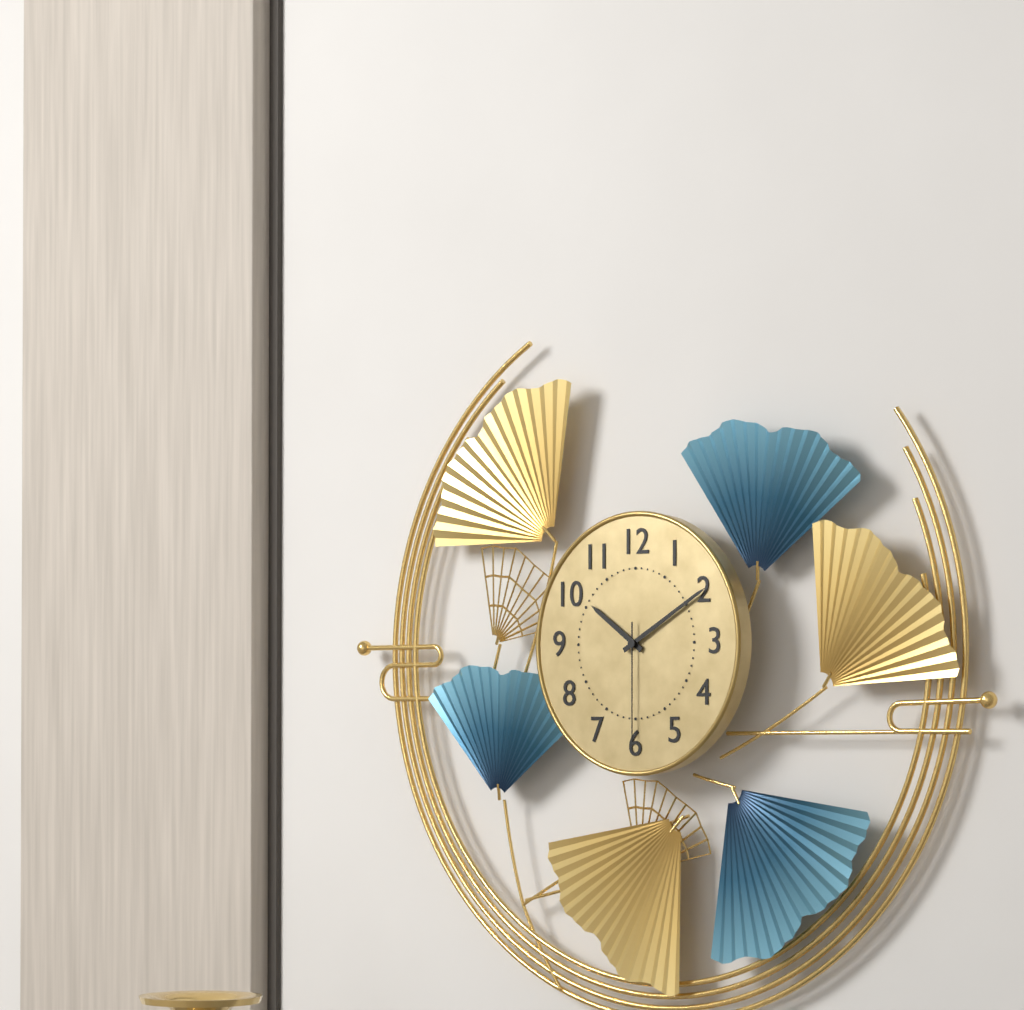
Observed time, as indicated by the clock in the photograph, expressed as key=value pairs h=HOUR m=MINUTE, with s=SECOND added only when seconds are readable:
h=10 m=10 s=30
